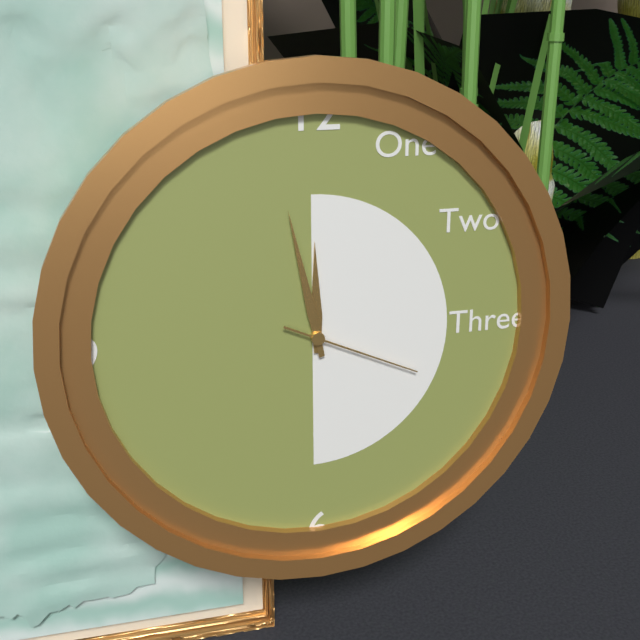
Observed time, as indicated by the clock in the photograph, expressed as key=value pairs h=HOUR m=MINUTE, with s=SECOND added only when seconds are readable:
h=11 m=58 s=19
